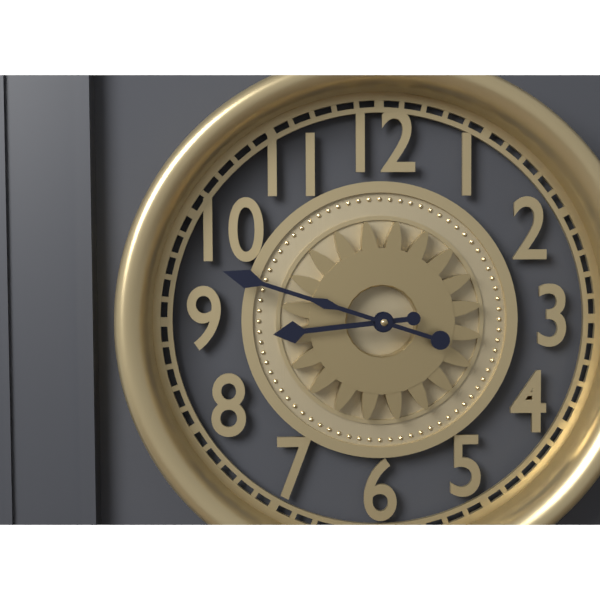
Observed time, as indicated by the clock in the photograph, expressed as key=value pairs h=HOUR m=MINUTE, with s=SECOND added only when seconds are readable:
h=8 m=48
